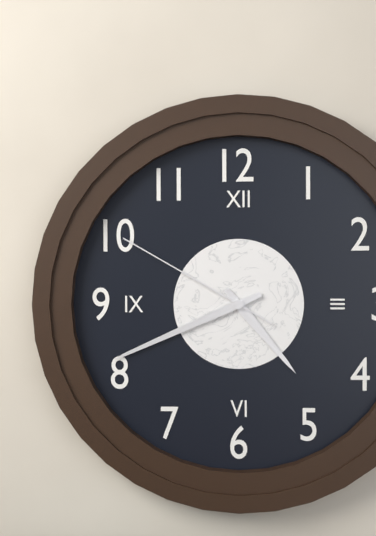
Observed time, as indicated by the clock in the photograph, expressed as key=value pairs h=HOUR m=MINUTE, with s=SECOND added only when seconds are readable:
h=4 m=41 s=50
